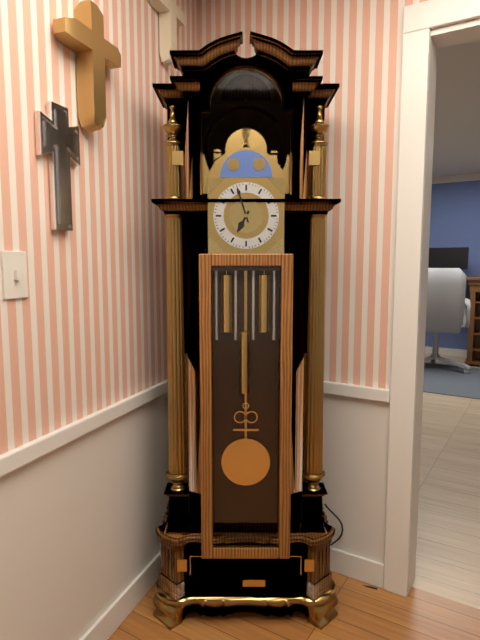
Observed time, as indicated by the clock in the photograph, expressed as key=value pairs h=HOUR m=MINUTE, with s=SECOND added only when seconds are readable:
h=6 m=57
